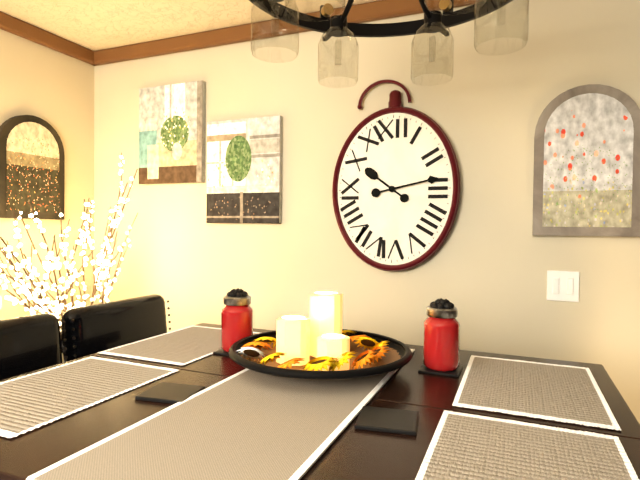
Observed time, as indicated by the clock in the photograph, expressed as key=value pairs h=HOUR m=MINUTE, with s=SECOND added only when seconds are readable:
h=10 m=13
